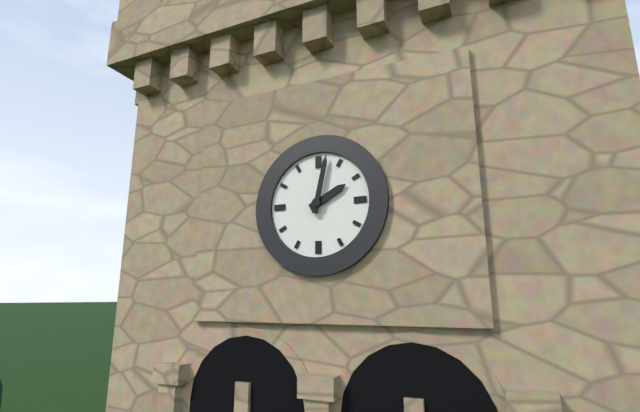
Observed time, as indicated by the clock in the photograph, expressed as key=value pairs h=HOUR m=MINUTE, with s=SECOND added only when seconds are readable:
h=2 m=2
